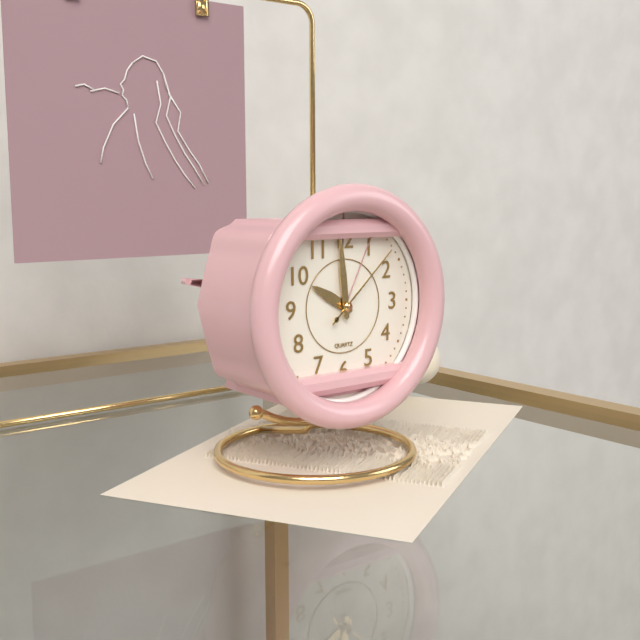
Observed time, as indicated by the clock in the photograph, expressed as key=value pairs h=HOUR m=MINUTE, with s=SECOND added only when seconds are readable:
h=9 m=59 s=8
